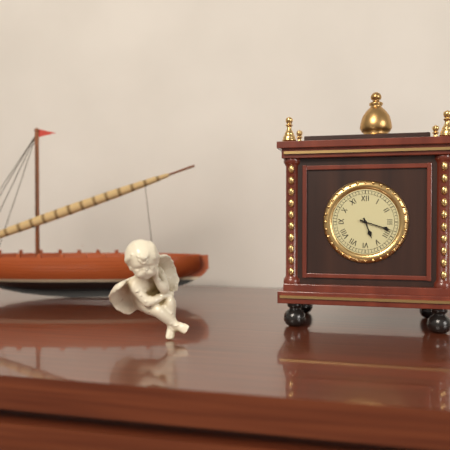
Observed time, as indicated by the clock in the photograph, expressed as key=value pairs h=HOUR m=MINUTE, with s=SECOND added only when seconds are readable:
h=5 m=18
